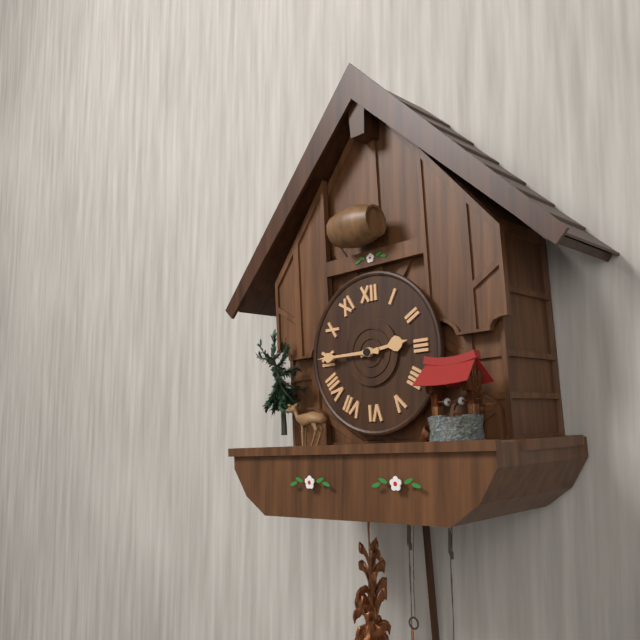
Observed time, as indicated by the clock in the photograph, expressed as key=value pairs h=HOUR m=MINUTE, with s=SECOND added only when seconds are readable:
h=2 m=45
